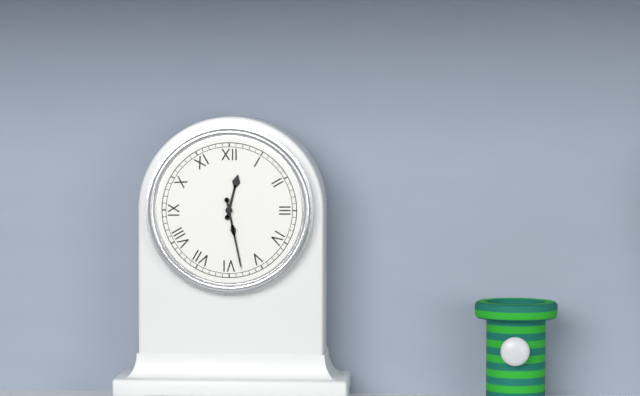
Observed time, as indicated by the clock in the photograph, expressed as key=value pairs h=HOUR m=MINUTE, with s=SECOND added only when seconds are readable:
h=12 m=28
